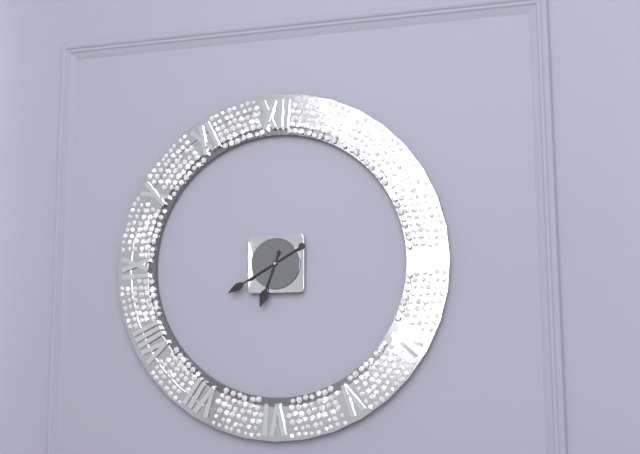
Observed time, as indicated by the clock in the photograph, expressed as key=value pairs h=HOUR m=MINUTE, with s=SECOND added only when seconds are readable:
h=6 m=40
